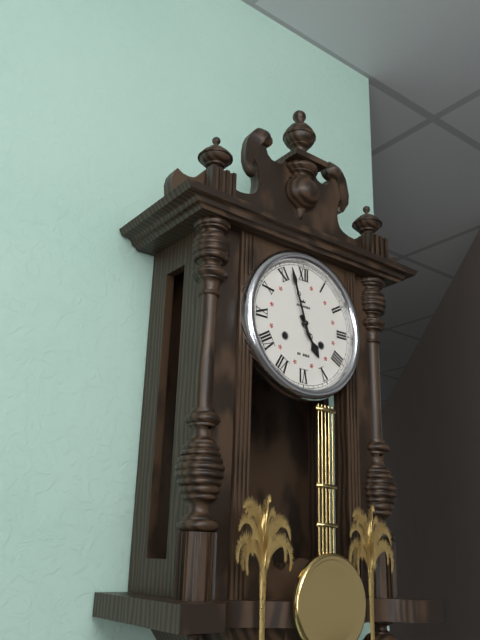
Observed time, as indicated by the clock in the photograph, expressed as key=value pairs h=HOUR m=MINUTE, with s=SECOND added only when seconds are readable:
h=4 m=57
